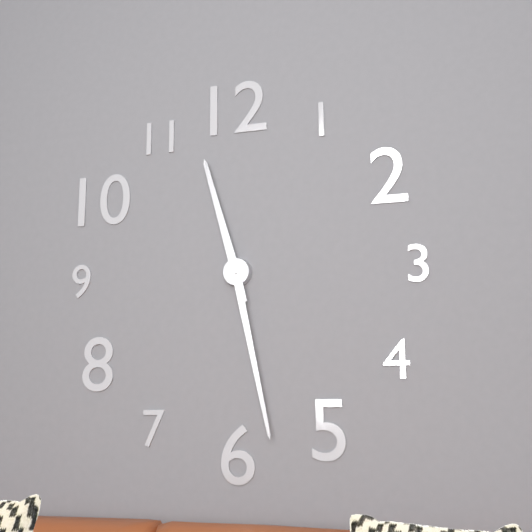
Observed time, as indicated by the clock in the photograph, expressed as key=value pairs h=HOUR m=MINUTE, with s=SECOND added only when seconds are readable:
h=11 m=28
